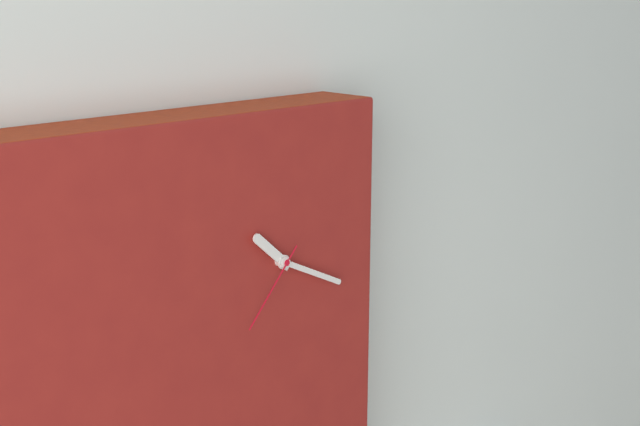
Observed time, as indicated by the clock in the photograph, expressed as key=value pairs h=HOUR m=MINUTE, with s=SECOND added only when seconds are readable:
h=10 m=19 s=37
